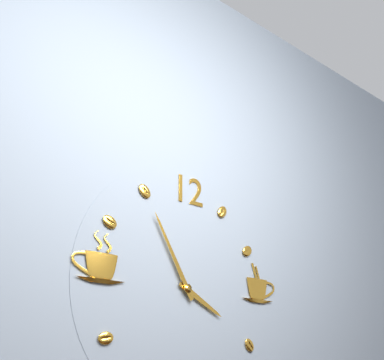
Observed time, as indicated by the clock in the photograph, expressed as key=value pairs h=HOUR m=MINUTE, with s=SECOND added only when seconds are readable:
h=3 m=55
